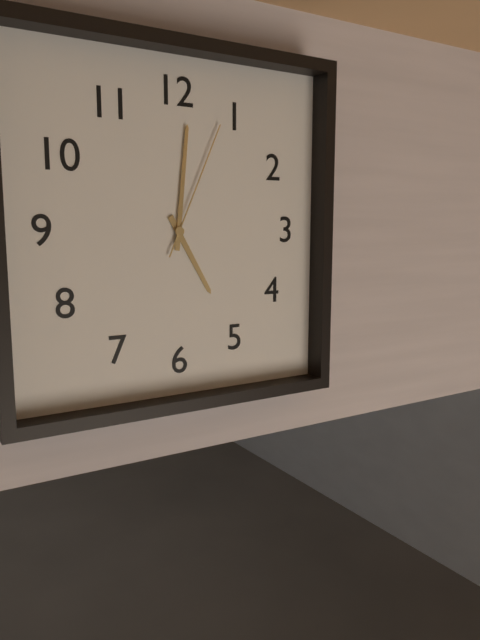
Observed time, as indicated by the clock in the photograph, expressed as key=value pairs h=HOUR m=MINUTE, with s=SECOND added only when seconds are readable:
h=5 m=1 s=4
